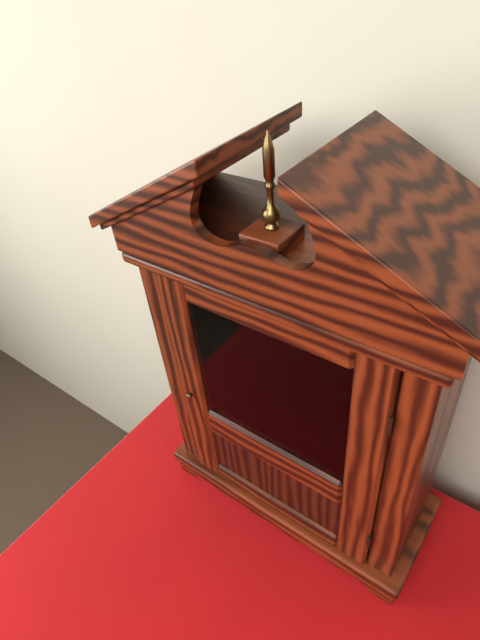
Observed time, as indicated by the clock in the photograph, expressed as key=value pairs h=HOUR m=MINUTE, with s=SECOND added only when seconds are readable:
h=9 m=53
